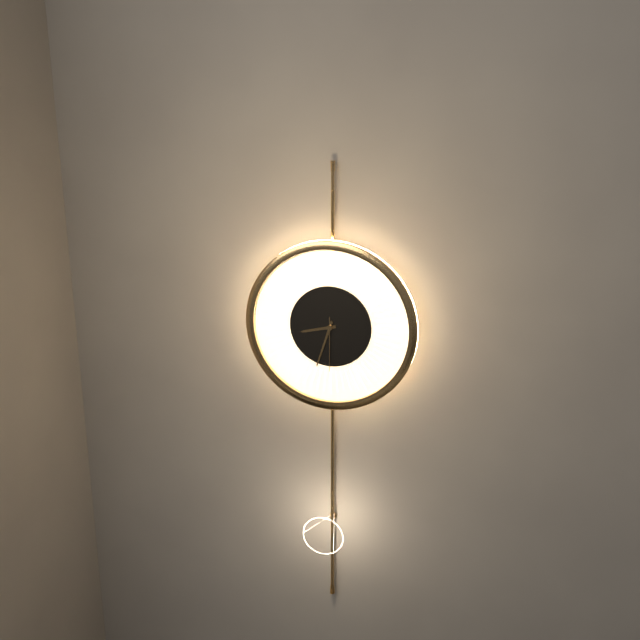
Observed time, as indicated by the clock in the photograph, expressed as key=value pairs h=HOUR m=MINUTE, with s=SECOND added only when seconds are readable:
h=8 m=33 s=30
